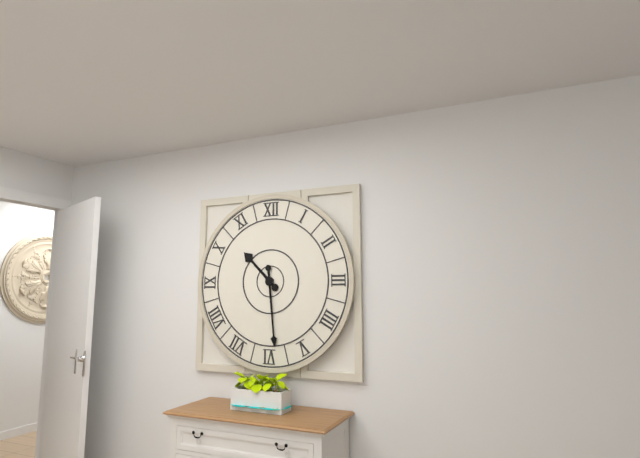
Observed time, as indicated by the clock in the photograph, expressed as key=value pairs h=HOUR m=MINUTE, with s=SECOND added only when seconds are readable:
h=10 m=29
